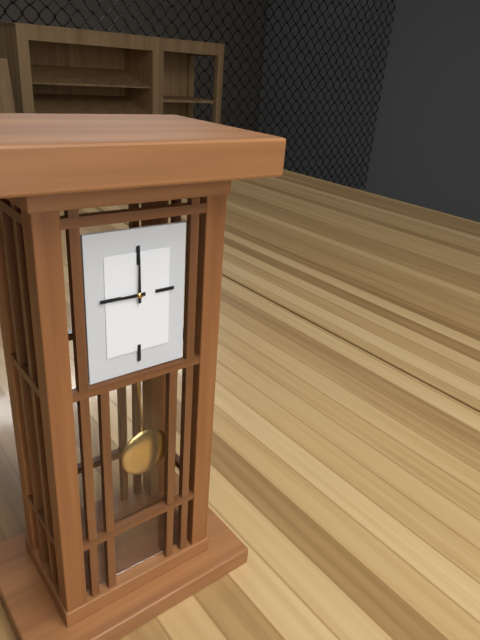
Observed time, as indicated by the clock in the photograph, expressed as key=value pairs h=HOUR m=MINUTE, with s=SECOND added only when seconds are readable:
h=9 m=0
